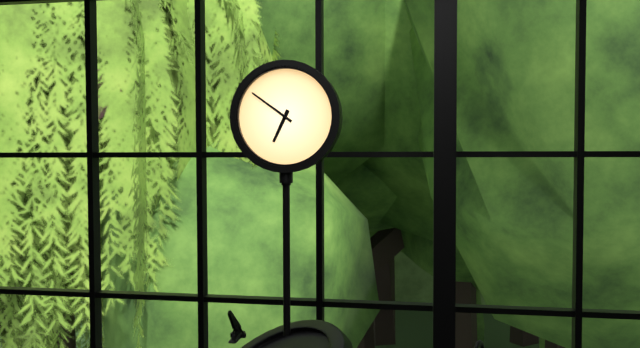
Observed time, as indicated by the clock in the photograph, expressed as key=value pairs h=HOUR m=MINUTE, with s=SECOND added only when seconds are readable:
h=6 m=51
